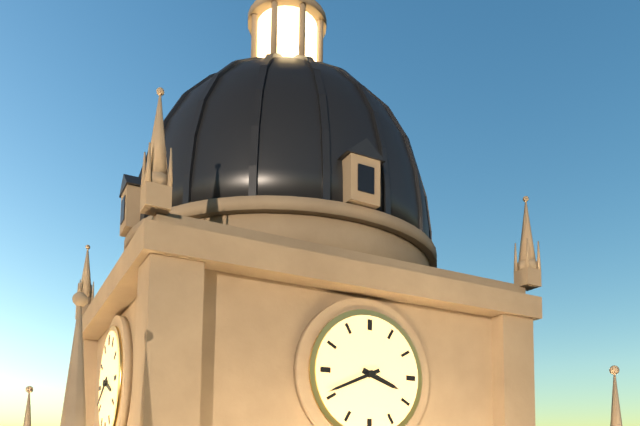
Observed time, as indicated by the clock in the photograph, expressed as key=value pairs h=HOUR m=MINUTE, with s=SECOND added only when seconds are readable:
h=3 m=41
